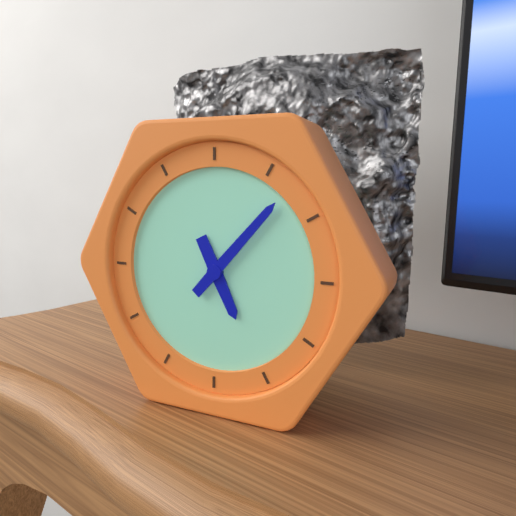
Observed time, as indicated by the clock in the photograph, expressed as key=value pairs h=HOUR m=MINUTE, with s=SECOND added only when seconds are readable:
h=5 m=7
